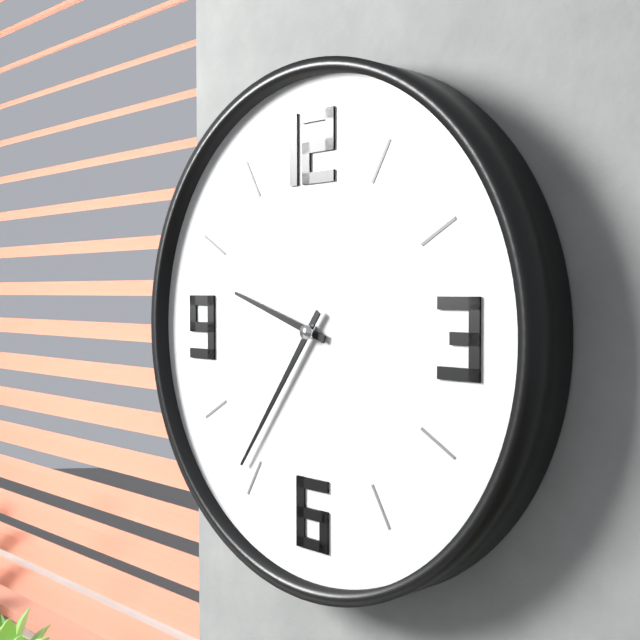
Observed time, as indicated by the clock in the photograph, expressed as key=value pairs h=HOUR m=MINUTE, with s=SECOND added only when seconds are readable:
h=9 m=36
